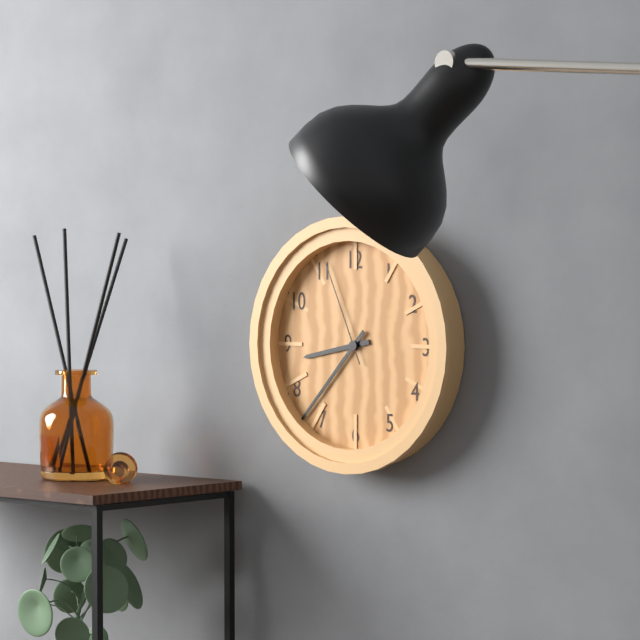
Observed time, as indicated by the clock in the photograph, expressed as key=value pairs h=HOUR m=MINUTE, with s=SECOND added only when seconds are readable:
h=8 m=37 s=56
